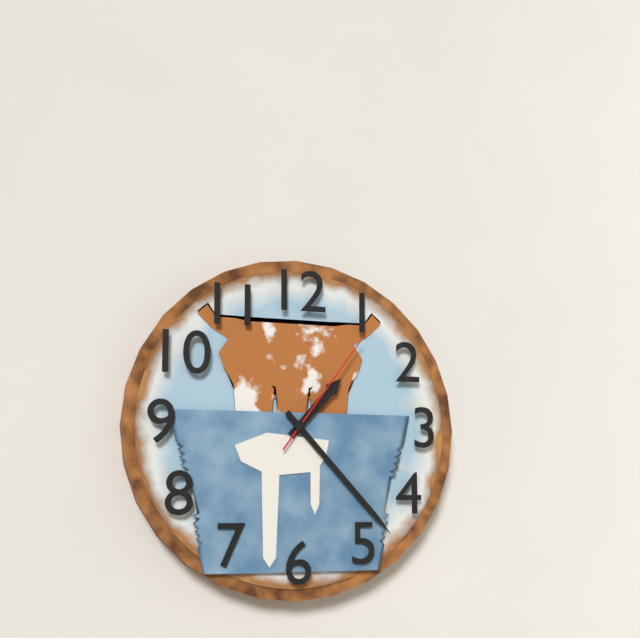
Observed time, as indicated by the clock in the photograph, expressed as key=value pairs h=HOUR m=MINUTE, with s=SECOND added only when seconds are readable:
h=1 m=23 s=6
